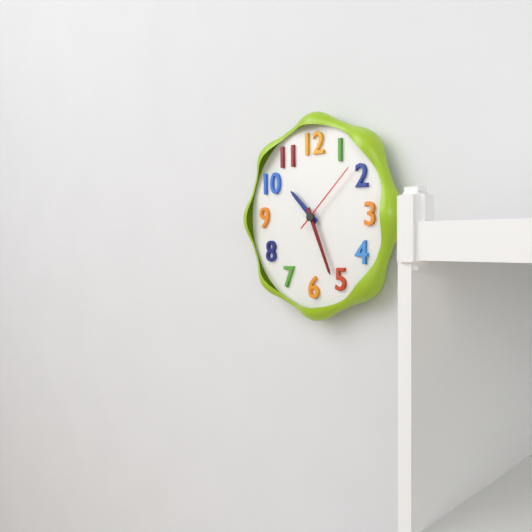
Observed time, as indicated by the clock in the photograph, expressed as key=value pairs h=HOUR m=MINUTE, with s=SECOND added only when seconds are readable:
h=10 m=26 s=8
